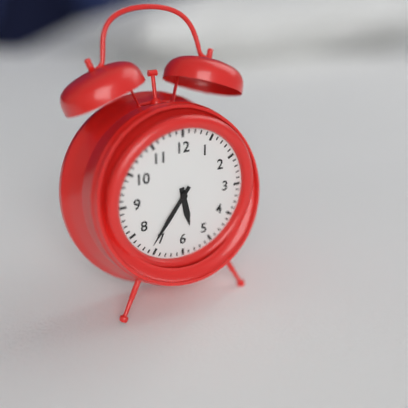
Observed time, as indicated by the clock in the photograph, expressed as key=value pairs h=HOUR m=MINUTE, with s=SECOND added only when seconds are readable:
h=5 m=36
